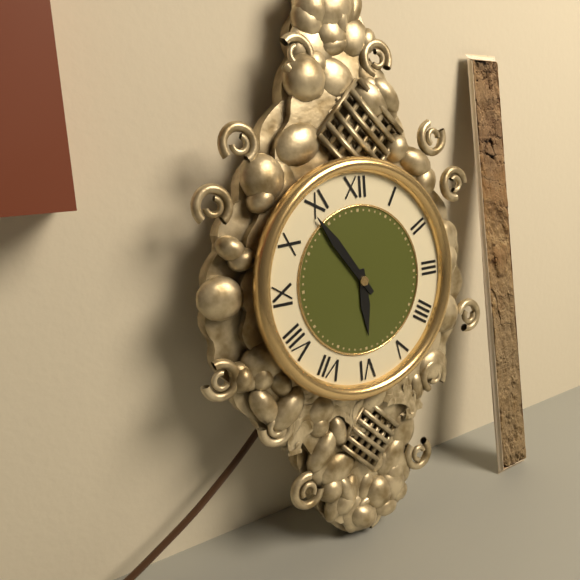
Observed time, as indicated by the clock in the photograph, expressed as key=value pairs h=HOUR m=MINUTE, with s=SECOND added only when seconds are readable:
h=5 m=54
